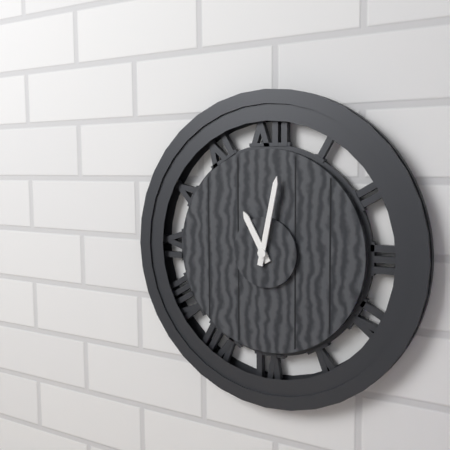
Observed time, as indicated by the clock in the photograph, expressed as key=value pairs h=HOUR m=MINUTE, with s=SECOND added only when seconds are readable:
h=11 m=2
